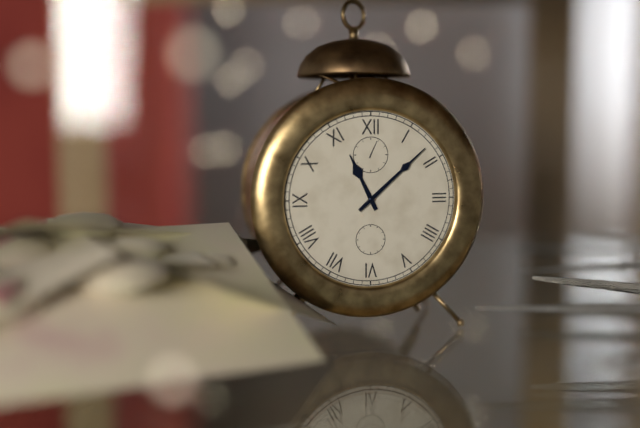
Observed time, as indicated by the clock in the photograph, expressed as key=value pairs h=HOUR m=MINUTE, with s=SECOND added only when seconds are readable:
h=11 m=8
